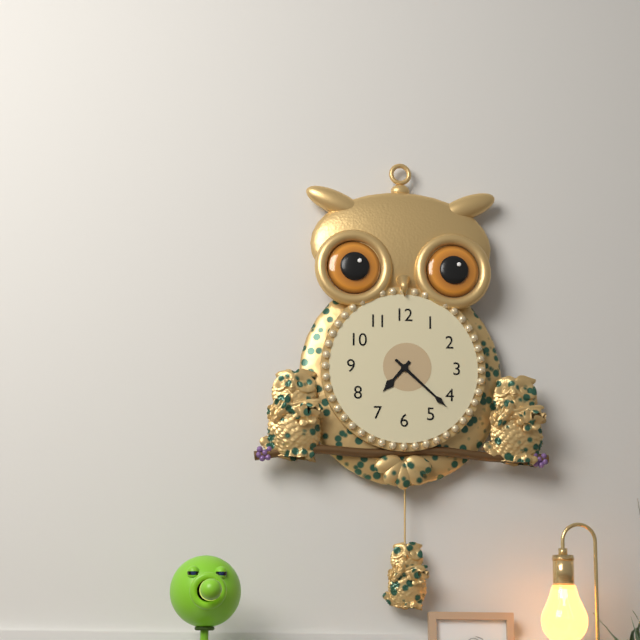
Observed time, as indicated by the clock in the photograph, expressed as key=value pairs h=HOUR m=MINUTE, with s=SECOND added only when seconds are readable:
h=7 m=22
